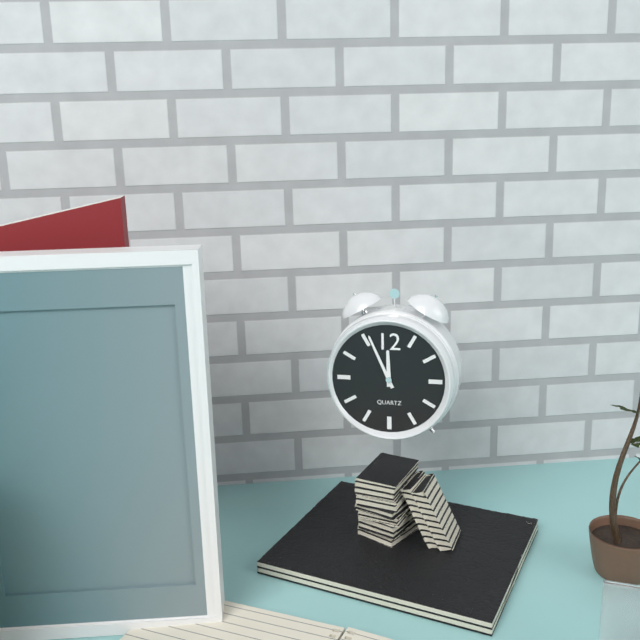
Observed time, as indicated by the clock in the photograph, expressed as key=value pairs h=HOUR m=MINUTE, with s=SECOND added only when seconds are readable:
h=11 m=56
